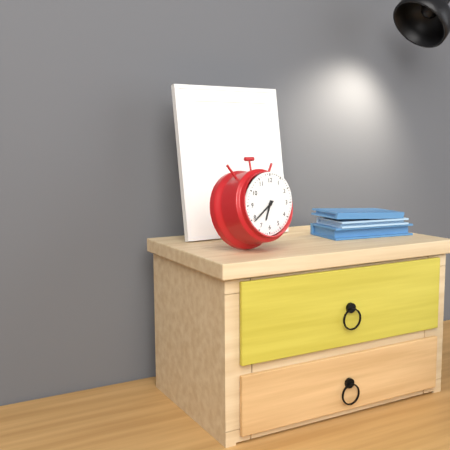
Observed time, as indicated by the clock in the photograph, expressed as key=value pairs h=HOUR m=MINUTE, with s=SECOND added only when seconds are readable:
h=6 m=39
